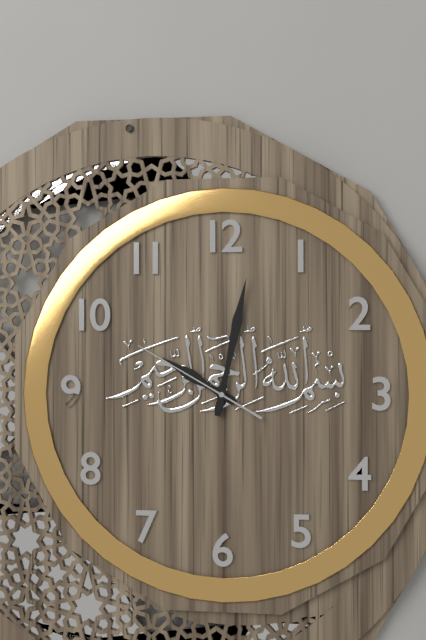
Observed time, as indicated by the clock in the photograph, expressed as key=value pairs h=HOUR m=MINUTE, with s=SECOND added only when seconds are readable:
h=10 m=2 s=50
